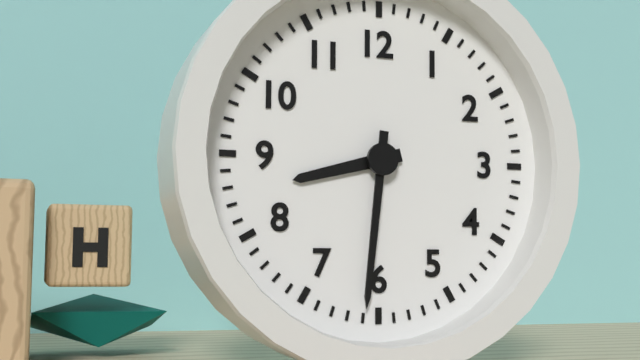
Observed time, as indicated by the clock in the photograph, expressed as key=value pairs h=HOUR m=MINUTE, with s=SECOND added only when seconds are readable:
h=8 m=31
